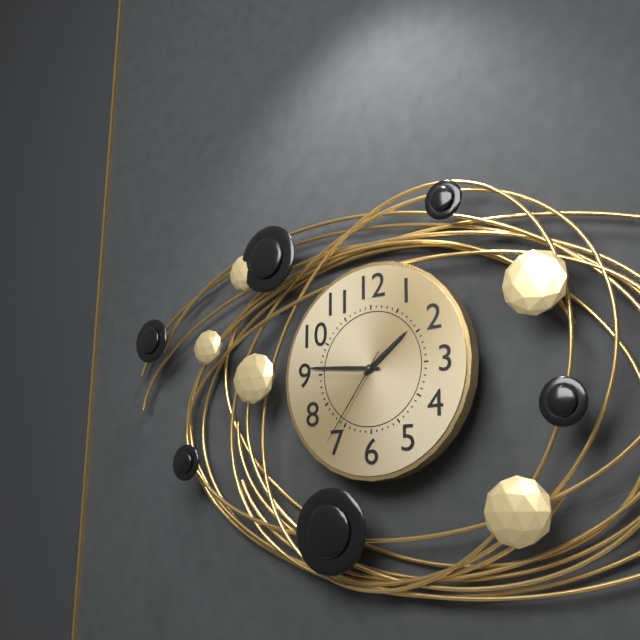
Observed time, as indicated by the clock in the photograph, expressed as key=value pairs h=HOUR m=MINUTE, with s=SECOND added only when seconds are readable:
h=1 m=46 s=36
